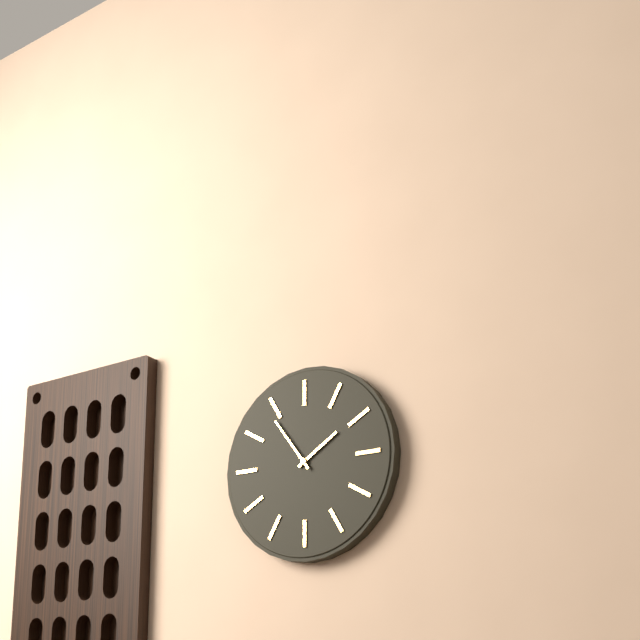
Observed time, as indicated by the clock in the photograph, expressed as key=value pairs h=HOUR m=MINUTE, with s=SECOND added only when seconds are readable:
h=1 m=54
